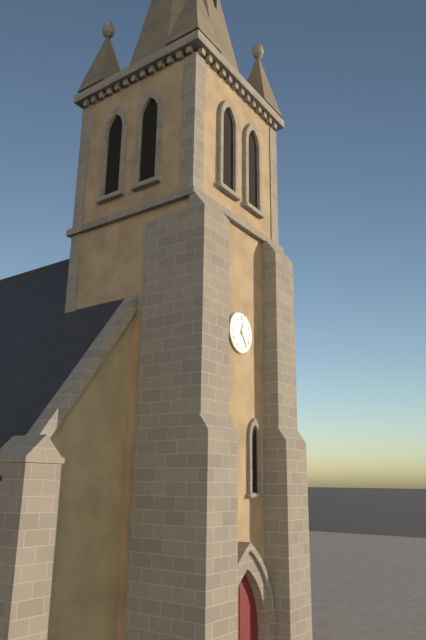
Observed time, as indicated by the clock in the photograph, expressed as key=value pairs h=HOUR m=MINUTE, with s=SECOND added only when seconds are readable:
h=12 m=24
